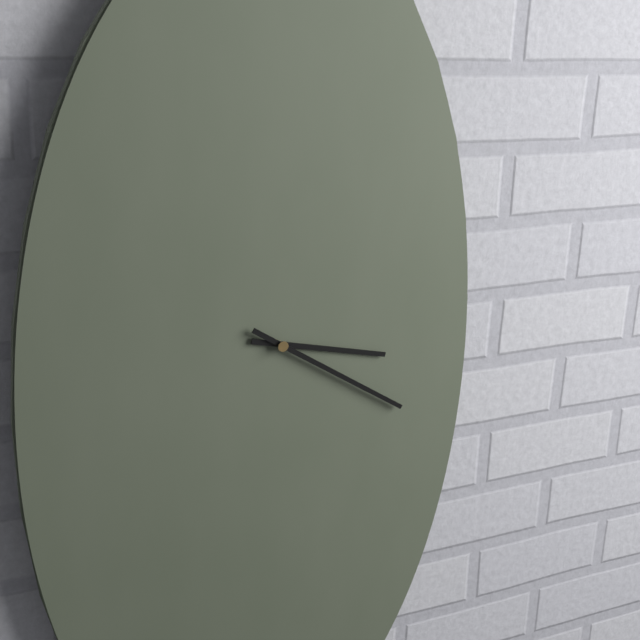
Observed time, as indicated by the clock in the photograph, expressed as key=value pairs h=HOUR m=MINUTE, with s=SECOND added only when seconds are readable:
h=3 m=20
